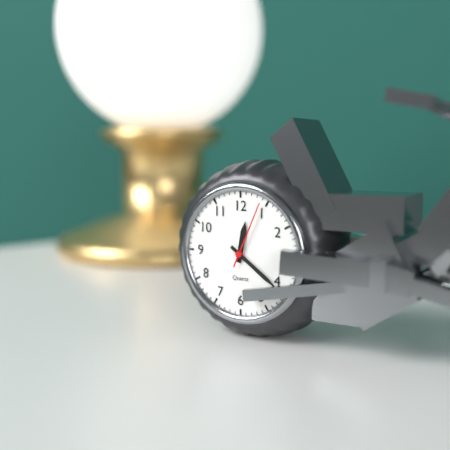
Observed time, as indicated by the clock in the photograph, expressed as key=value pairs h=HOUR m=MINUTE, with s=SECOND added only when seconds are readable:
h=12 m=21 s=4
